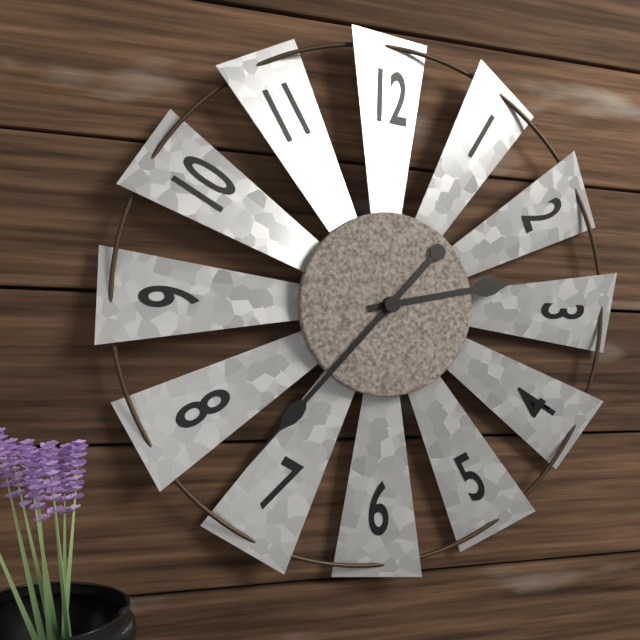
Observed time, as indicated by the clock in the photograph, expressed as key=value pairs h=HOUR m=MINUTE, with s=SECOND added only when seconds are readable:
h=2 m=37
